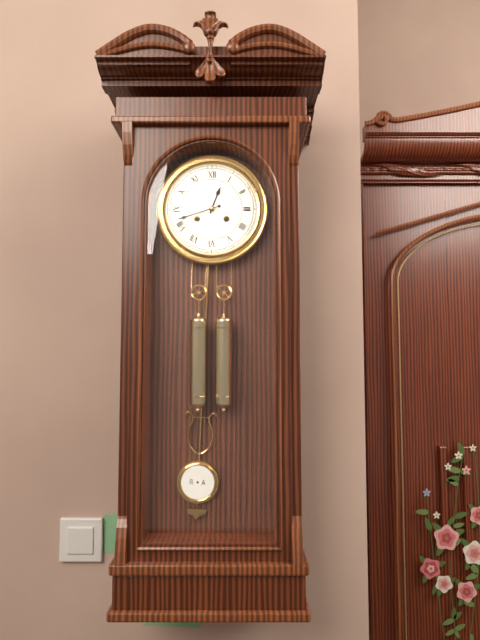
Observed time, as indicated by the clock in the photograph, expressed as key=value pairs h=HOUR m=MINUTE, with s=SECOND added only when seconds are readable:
h=12 m=42
